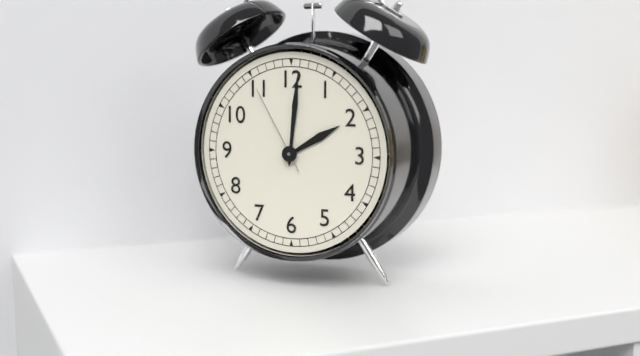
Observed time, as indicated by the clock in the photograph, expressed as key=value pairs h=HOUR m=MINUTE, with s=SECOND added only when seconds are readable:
h=2 m=1 s=55
